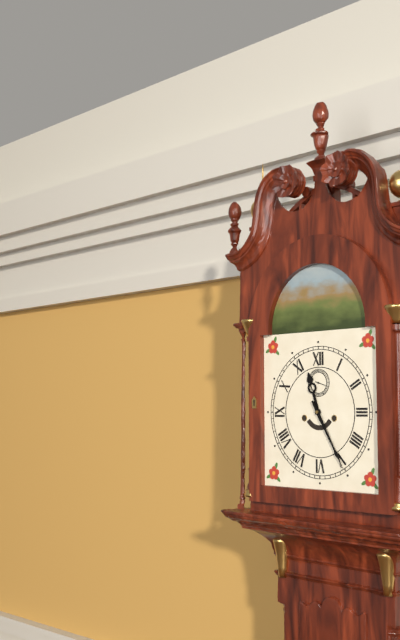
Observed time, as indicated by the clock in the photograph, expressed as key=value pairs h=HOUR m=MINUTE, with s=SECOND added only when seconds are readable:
h=11 m=25
